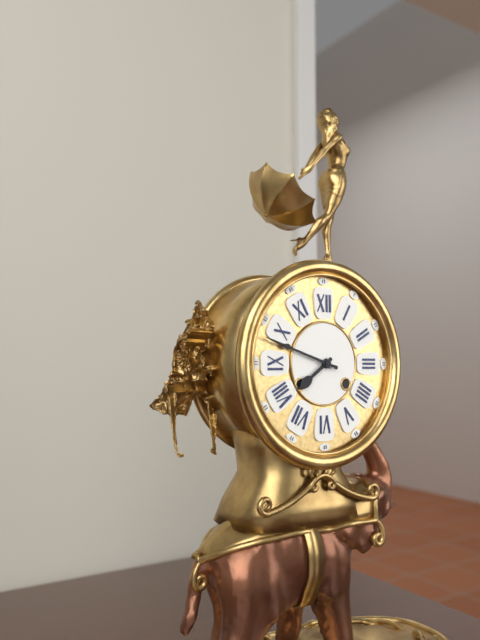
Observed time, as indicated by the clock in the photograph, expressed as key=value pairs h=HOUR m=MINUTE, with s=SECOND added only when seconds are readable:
h=7 m=48
